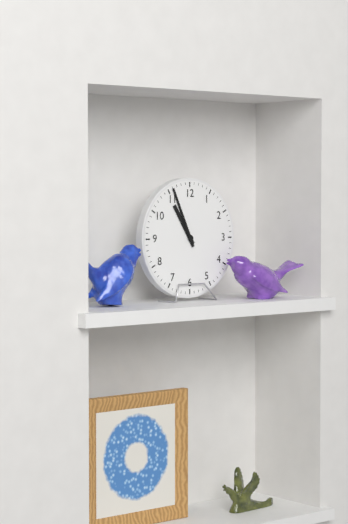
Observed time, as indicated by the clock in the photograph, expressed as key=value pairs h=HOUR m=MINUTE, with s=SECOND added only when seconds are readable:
h=10 m=56
